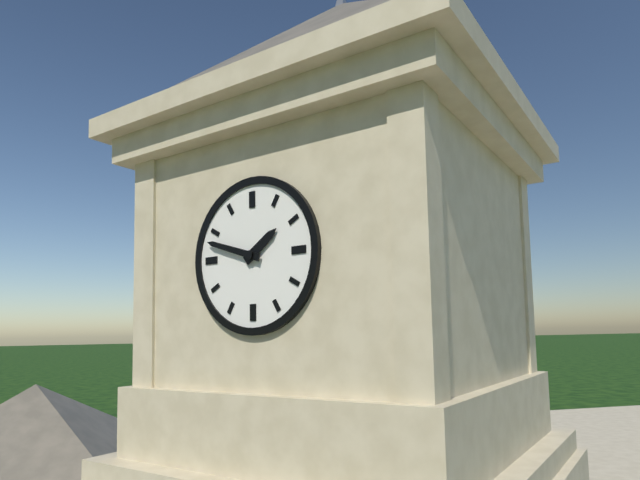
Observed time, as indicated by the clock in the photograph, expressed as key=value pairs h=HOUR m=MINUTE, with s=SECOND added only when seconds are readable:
h=1 m=48
